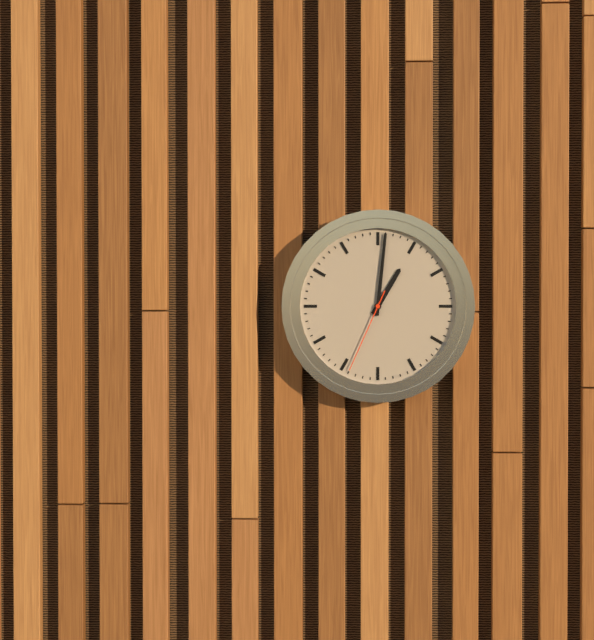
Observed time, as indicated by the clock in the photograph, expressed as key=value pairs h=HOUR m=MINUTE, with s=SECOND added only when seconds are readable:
h=1 m=1 s=34
